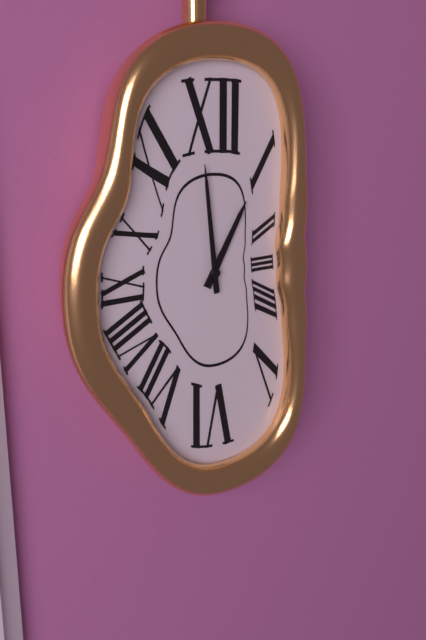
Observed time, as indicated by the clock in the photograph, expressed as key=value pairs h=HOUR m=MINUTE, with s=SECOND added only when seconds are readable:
h=12 m=59
